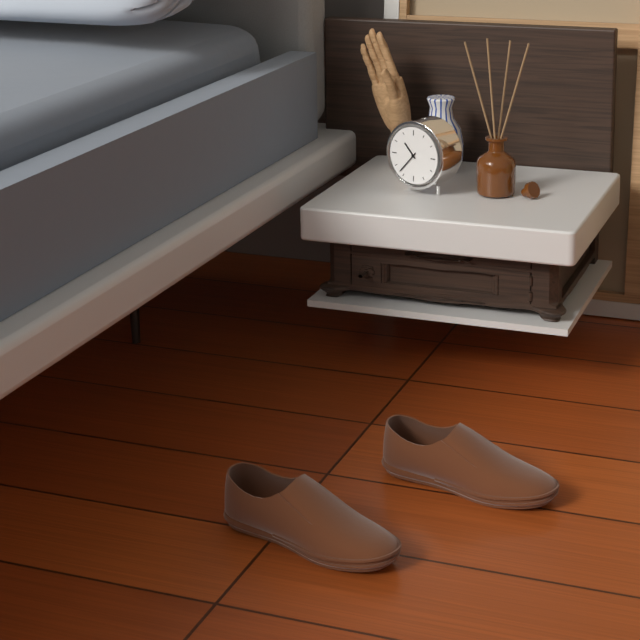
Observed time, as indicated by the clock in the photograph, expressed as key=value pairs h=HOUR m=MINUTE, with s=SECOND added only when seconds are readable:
h=10 m=37
